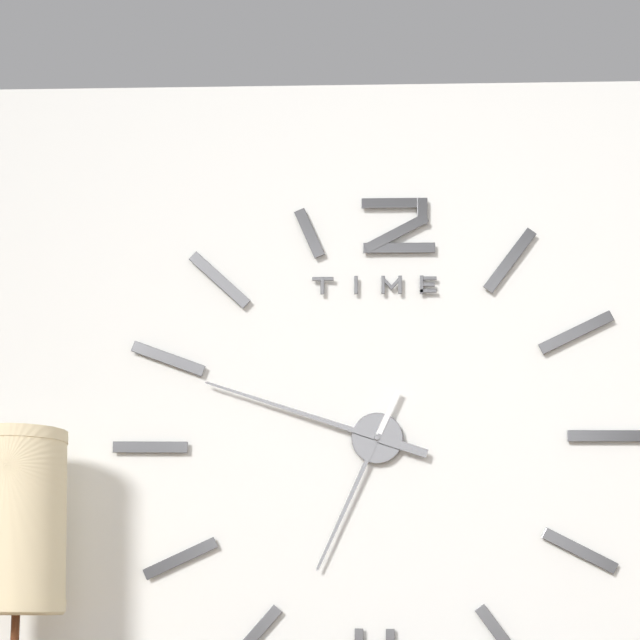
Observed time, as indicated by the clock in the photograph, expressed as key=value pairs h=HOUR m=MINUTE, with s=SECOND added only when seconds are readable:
h=6 m=48
